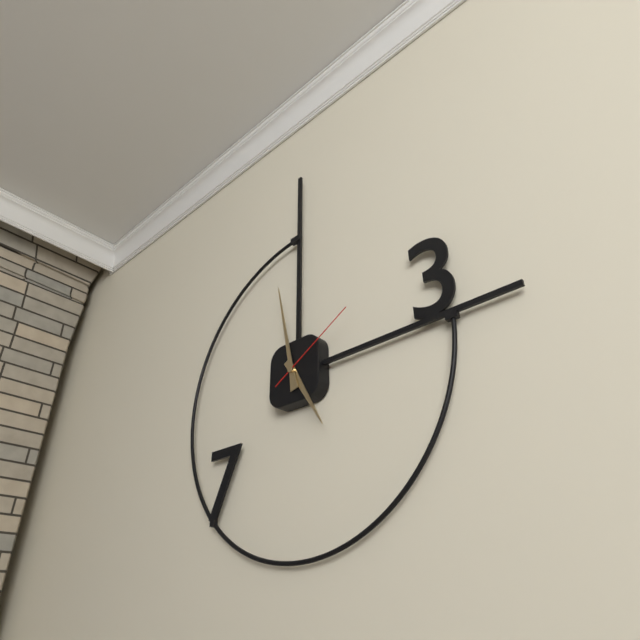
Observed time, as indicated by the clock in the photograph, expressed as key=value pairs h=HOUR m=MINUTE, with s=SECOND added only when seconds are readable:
h=4 m=58 s=10
